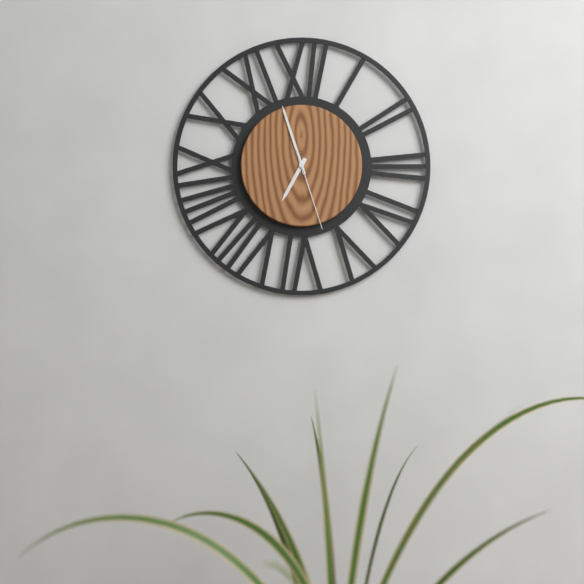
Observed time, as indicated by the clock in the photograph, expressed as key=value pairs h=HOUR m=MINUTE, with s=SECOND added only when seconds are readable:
h=6 m=57 s=27
